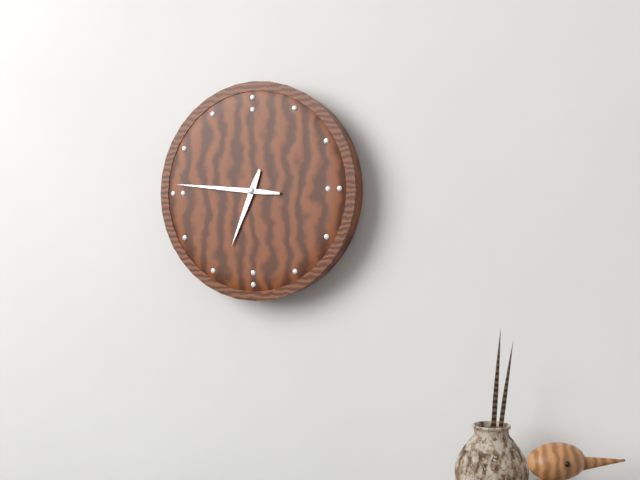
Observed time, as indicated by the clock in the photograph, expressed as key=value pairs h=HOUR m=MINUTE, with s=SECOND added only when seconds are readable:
h=6 m=46
